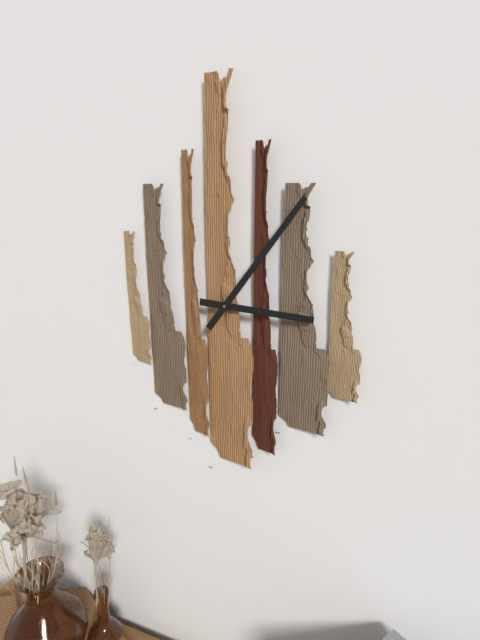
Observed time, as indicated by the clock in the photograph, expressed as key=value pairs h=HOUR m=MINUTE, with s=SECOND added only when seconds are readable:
h=3 m=6
